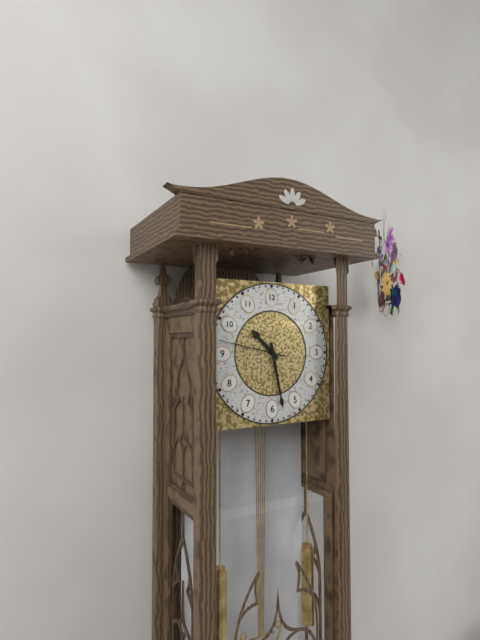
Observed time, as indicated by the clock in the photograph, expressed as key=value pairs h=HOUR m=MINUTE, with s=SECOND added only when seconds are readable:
h=10 m=28 s=47
